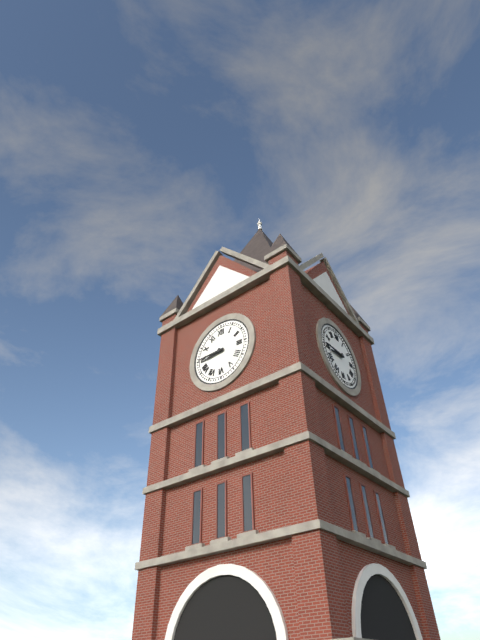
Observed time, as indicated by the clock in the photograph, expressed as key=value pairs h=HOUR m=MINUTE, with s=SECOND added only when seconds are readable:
h=8 m=45
